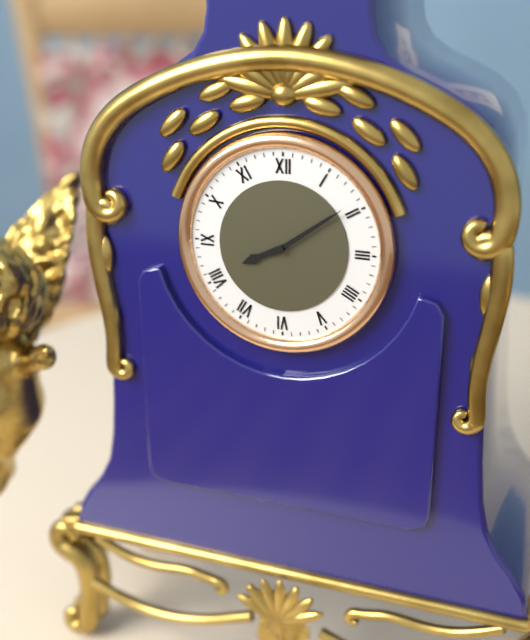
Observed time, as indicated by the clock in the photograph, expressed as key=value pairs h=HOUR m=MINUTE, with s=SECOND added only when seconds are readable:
h=8 m=9
